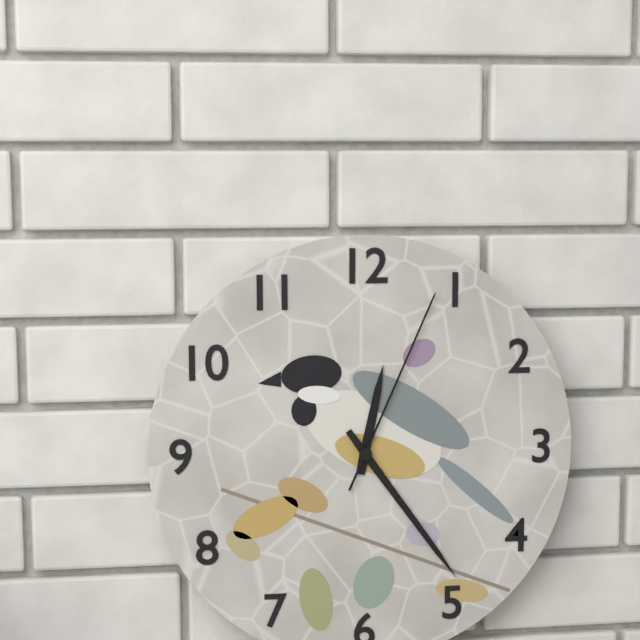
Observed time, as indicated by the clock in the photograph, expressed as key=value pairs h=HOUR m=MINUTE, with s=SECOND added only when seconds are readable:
h=12 m=24 s=4
